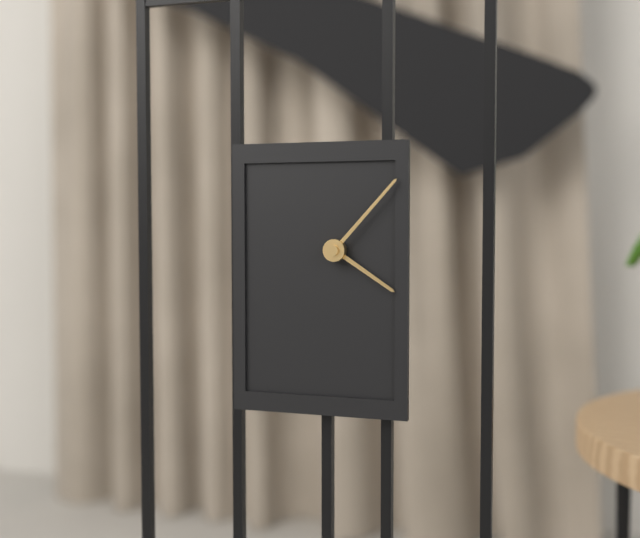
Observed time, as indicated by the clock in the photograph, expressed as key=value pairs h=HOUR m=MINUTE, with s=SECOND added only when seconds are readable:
h=4 m=7
